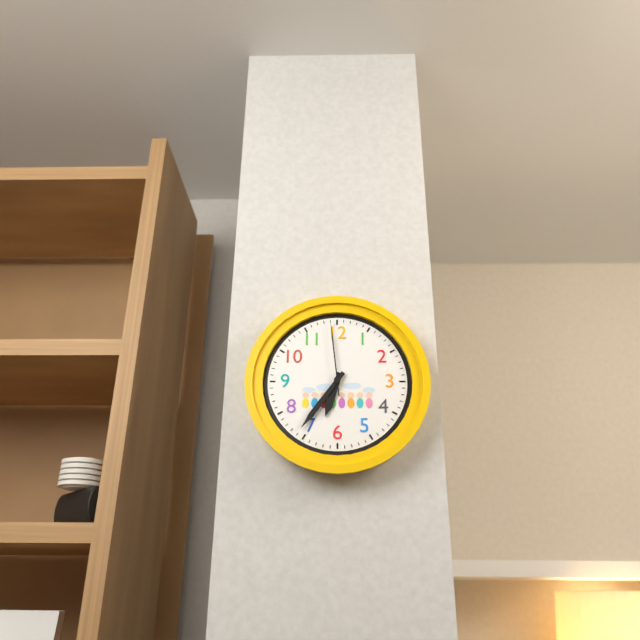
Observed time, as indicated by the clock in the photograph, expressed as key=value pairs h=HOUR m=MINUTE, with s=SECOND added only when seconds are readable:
h=6 m=36 s=59
